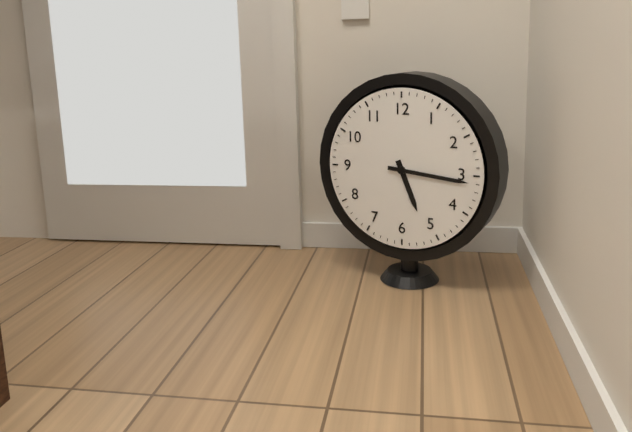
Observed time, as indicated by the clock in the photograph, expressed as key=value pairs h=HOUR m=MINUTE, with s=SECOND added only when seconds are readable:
h=5 m=16
